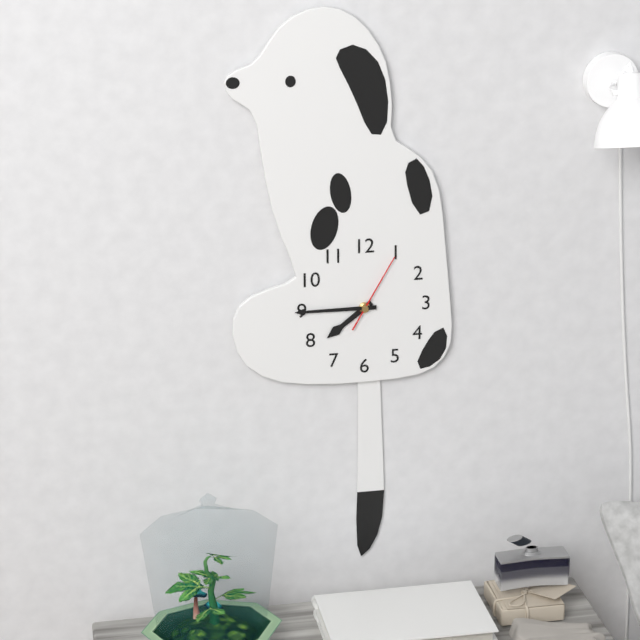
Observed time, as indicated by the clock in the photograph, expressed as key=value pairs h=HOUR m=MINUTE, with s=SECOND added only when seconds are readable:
h=7 m=45 s=5
